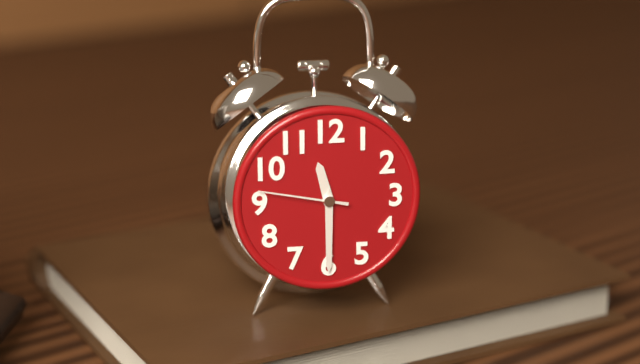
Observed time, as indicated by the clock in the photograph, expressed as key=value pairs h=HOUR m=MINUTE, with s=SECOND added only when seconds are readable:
h=11 m=30 s=47
